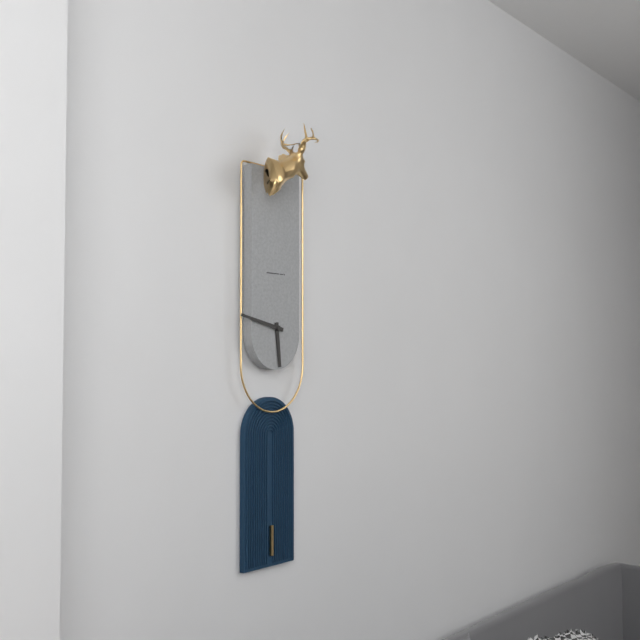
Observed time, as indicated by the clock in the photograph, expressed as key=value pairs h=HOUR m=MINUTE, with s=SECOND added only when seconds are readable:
h=5 m=47
